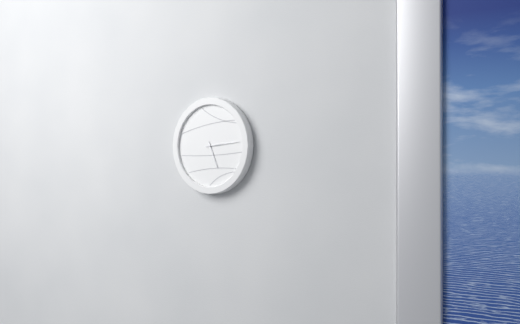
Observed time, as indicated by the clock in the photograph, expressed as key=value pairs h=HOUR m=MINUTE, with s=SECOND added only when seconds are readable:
h=5 m=14
